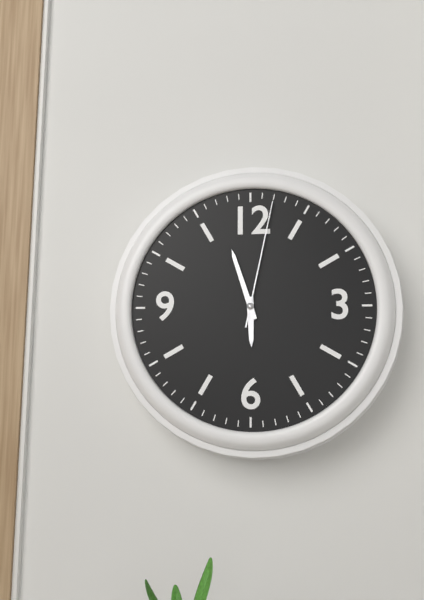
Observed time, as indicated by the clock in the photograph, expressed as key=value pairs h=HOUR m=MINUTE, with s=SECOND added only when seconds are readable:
h=5 m=57 s=2
